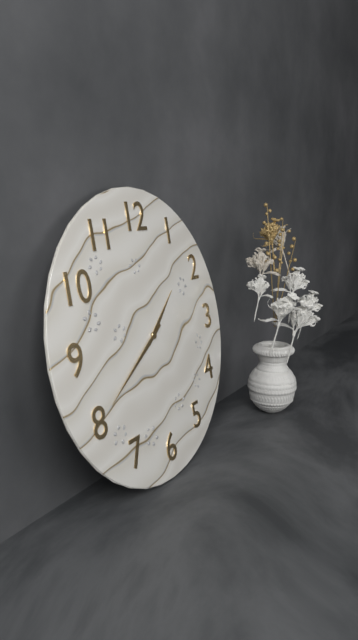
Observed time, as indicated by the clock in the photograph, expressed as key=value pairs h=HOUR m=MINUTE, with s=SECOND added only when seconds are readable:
h=1 m=40
